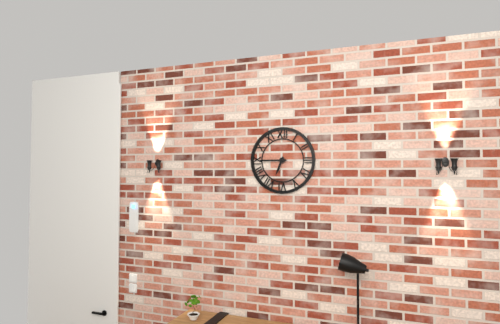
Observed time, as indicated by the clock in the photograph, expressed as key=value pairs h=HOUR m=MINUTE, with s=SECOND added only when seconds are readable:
h=6 m=45
